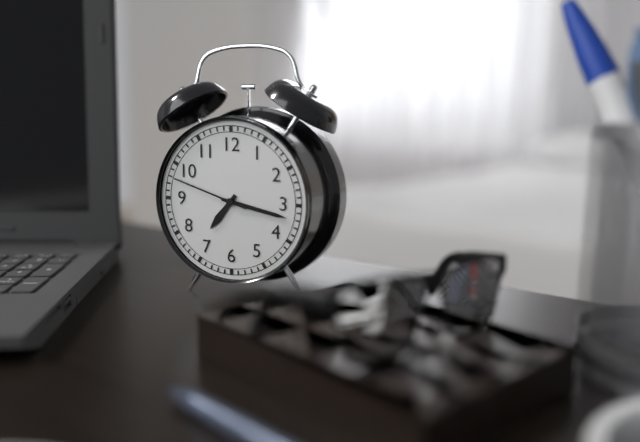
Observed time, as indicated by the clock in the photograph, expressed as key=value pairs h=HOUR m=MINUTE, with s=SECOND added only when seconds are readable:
h=7 m=17 s=48
